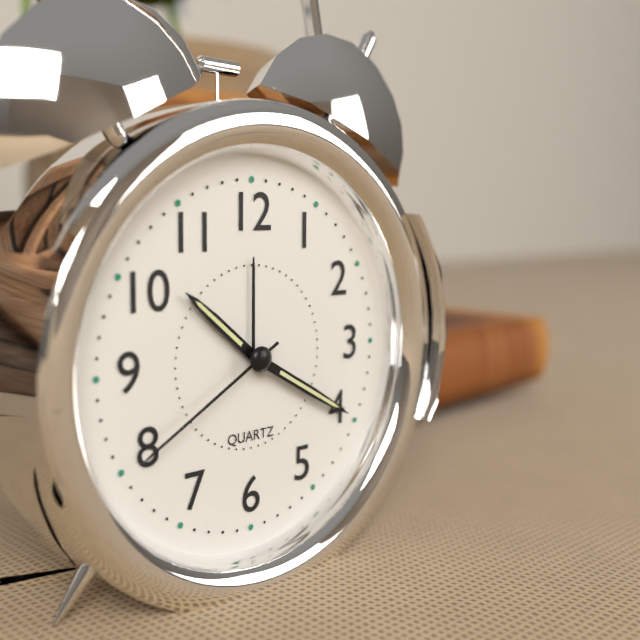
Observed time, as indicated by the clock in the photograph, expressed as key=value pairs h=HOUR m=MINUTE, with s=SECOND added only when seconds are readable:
h=10 m=20 s=40
